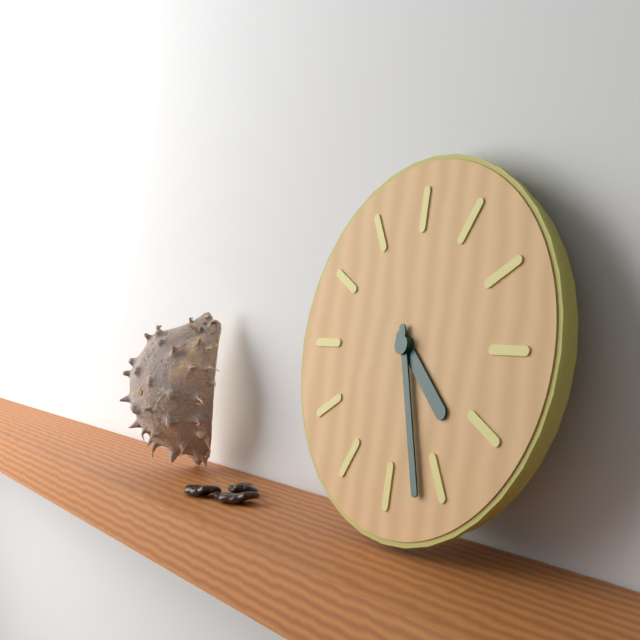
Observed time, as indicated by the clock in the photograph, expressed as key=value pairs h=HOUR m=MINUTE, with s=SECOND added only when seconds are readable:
h=4 m=27
